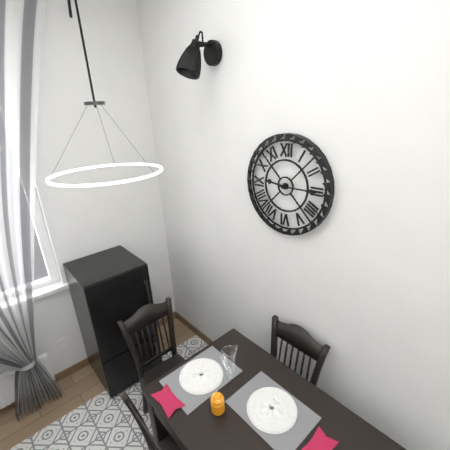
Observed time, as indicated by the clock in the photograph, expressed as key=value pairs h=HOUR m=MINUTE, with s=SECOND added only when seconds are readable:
h=9 m=15
